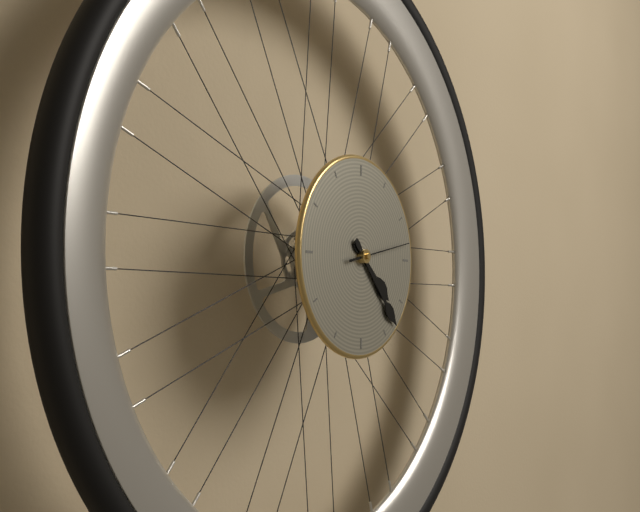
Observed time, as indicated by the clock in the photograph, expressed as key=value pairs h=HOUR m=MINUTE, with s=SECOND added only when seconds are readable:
h=4 m=23 s=13
